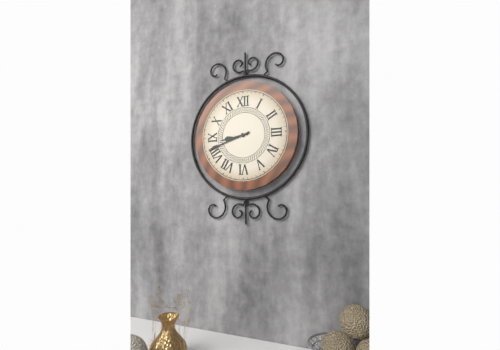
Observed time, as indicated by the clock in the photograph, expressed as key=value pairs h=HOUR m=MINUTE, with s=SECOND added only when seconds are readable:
h=8 m=42
